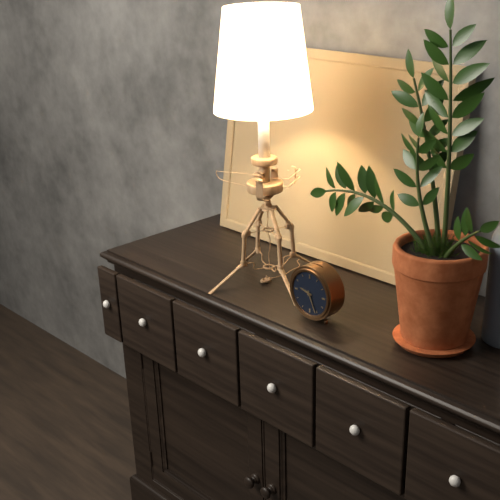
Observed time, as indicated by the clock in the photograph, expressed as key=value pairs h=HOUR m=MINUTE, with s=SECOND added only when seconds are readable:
h=9 m=26
